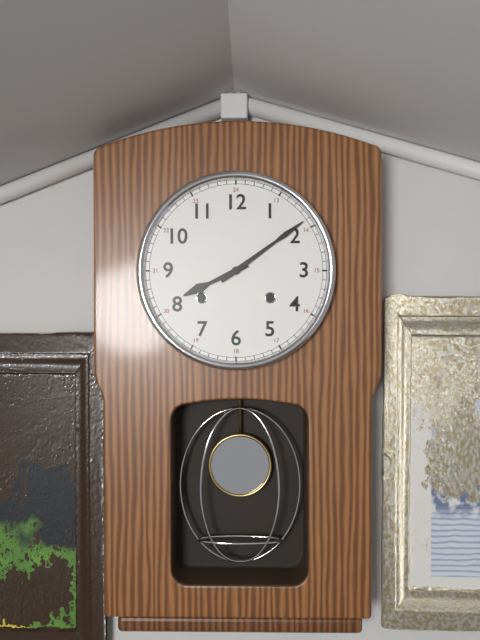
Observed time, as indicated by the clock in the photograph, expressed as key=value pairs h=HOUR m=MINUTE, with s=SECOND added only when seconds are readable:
h=8 m=9
